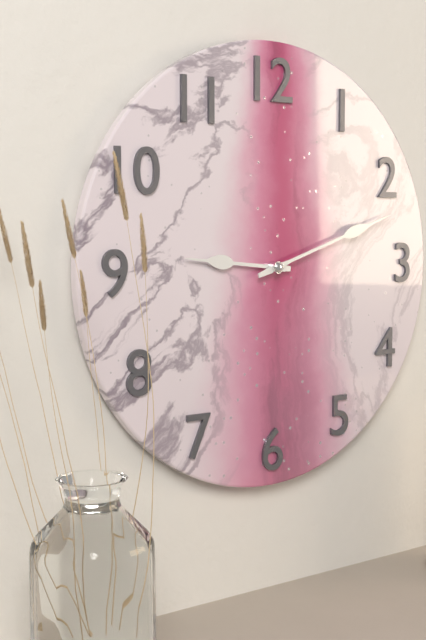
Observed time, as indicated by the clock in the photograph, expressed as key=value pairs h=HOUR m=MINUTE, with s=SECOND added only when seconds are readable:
h=9 m=12
